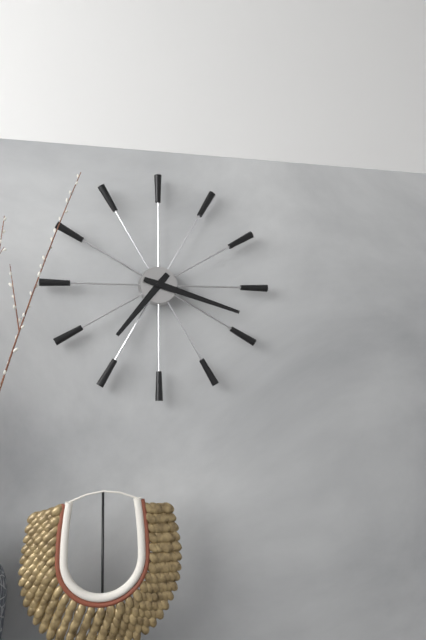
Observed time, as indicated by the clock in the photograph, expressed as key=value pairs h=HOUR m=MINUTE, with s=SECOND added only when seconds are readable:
h=7 m=18
